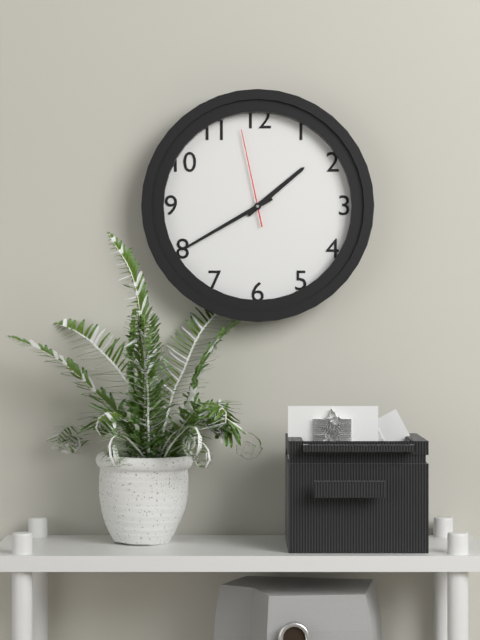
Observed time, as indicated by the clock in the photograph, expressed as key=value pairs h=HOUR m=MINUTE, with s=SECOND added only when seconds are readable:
h=1 m=40 s=58
